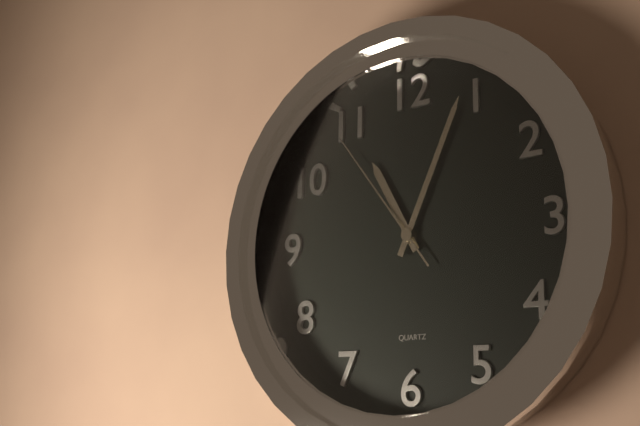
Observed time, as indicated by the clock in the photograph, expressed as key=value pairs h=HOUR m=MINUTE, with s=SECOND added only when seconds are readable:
h=11 m=4 s=54
